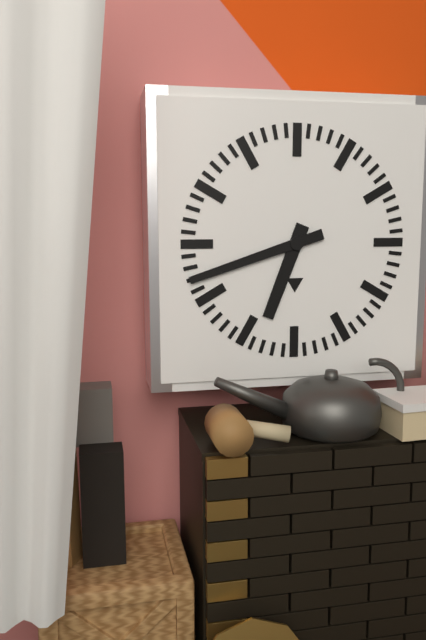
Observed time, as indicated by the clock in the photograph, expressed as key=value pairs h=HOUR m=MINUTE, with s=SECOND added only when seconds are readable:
h=6 m=42
